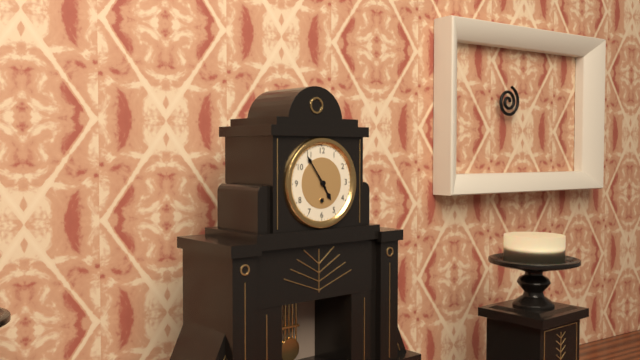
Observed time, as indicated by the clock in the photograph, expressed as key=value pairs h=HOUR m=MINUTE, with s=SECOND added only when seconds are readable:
h=4 m=54
